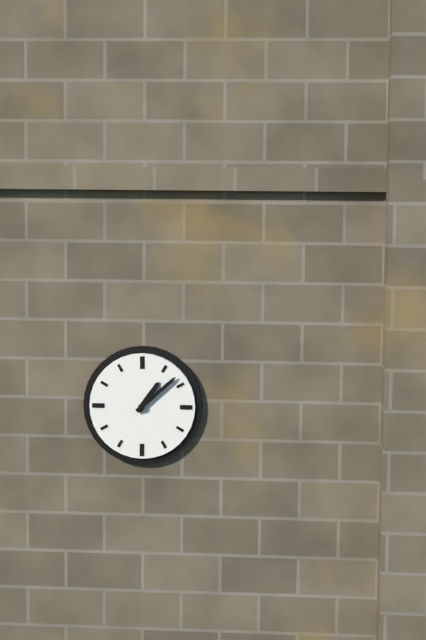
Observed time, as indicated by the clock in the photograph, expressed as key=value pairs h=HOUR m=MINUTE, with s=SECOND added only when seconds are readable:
h=1 m=8
